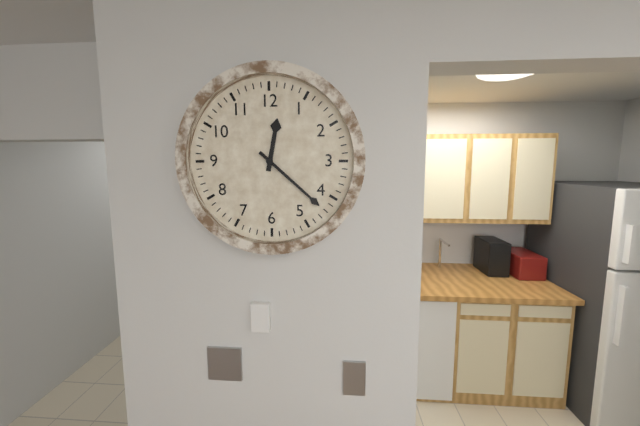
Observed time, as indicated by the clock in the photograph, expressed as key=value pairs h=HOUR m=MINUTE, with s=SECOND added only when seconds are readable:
h=12 m=22
